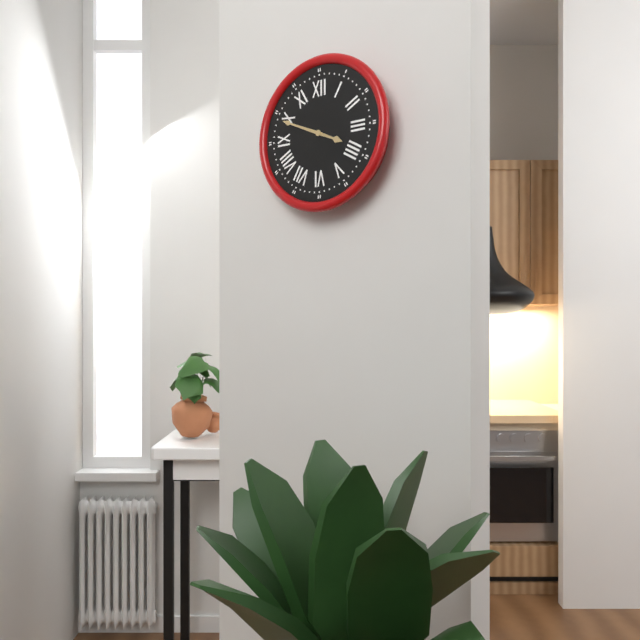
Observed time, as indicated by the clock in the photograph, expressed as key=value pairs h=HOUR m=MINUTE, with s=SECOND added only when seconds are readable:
h=3 m=49
